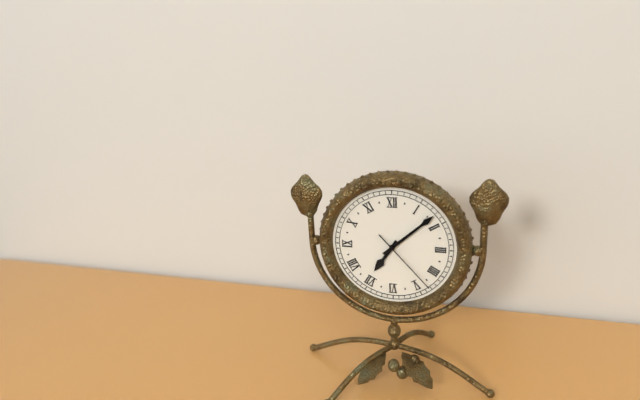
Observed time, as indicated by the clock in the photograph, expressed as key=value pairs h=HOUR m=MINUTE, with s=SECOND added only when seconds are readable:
h=7 m=8 s=23
